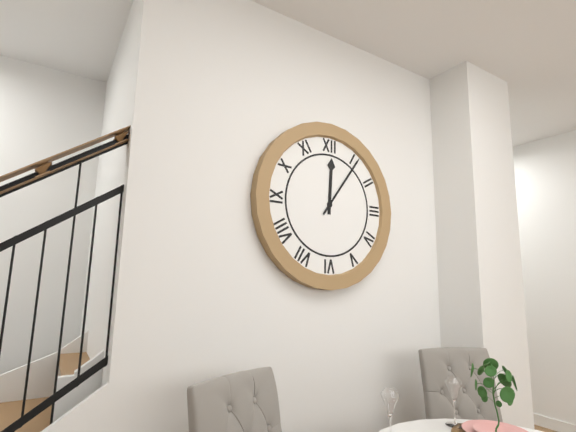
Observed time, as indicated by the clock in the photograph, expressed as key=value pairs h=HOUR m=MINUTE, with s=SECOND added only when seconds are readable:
h=12 m=6
